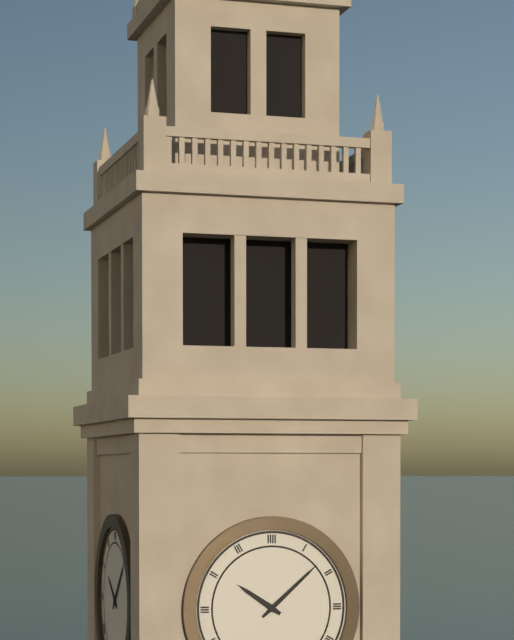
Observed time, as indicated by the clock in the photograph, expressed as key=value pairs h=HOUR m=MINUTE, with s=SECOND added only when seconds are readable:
h=10 m=8
